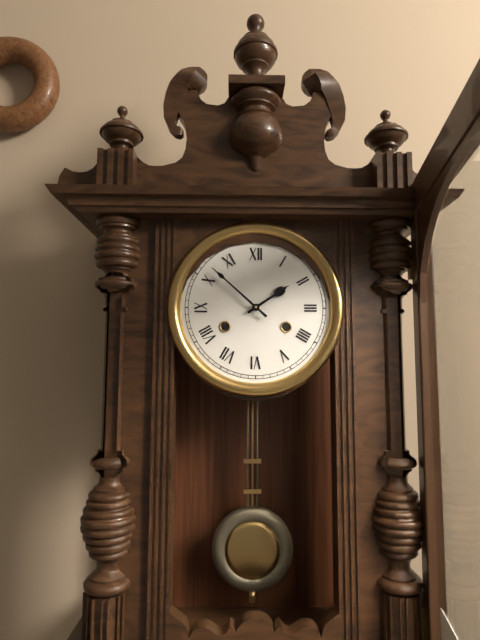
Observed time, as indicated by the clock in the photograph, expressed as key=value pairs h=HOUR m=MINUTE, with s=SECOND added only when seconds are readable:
h=1 m=52
